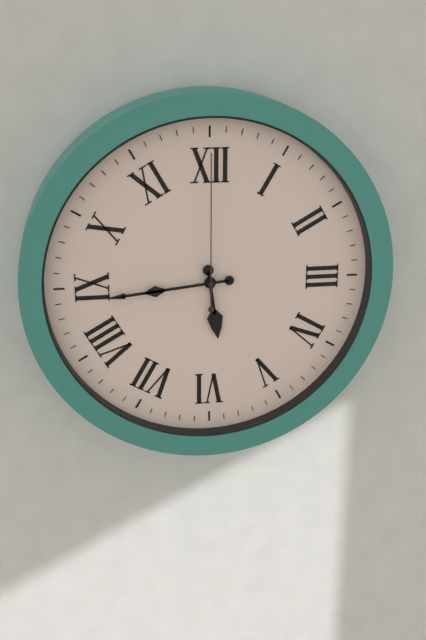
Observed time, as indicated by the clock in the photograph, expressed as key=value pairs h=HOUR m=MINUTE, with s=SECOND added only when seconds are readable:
h=5 m=44 s=0
